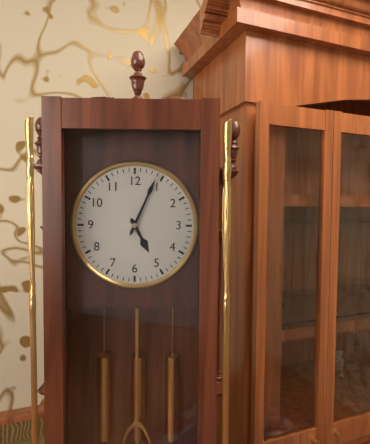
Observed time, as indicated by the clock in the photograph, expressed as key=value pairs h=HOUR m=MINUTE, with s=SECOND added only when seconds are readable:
h=5 m=4
